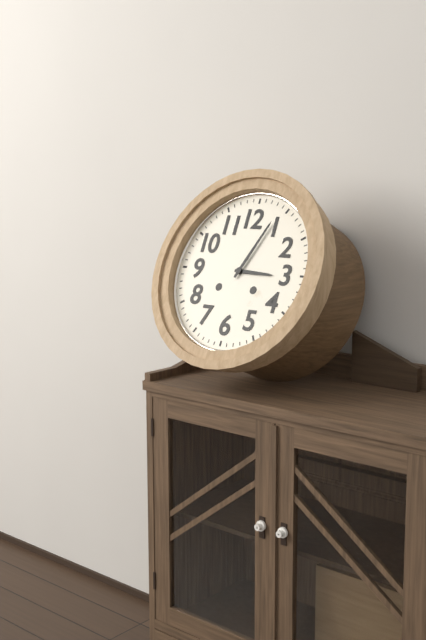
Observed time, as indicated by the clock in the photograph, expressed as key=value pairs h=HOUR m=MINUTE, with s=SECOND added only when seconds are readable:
h=3 m=4
